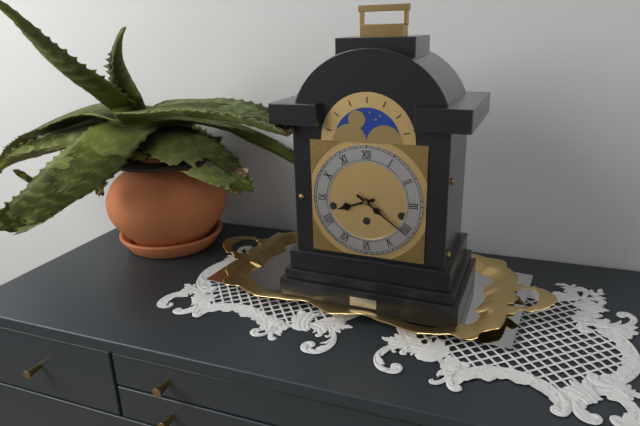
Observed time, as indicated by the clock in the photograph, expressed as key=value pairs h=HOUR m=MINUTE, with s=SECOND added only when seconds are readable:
h=8 m=21
